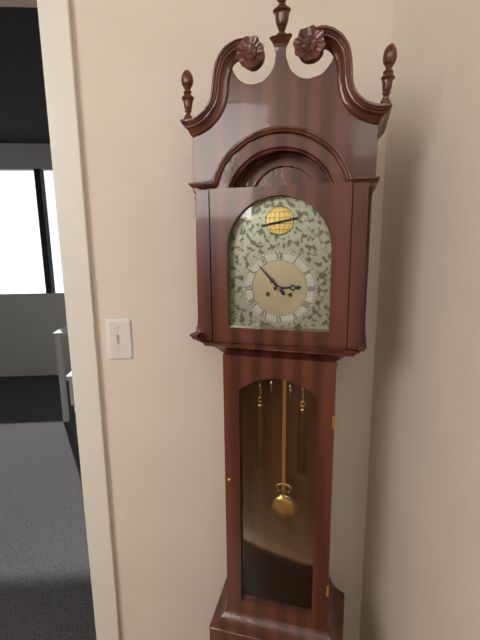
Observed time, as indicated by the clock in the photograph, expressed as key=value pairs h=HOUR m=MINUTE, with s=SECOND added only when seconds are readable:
h=2 m=53
